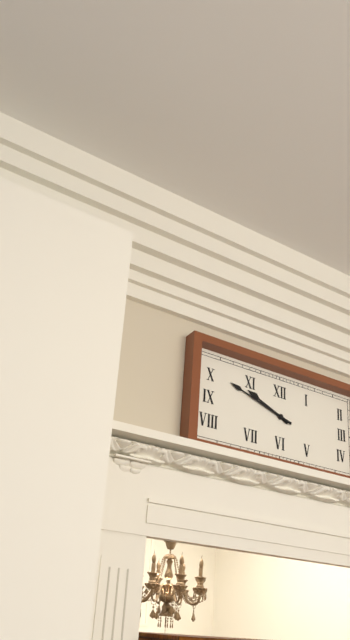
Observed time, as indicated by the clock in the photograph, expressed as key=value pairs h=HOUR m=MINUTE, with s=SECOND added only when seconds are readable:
h=9 m=48
